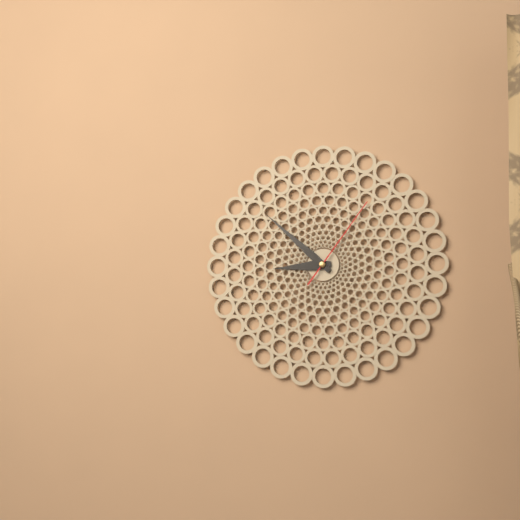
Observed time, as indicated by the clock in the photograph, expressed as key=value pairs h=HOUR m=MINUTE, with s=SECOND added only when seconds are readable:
h=8 m=52 s=6
